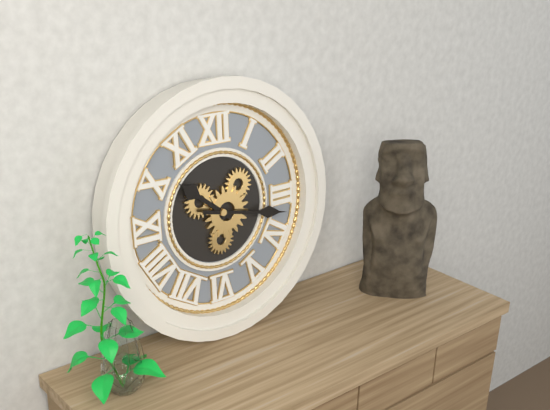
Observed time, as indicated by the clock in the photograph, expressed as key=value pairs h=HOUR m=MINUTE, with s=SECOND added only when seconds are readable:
h=10 m=17
